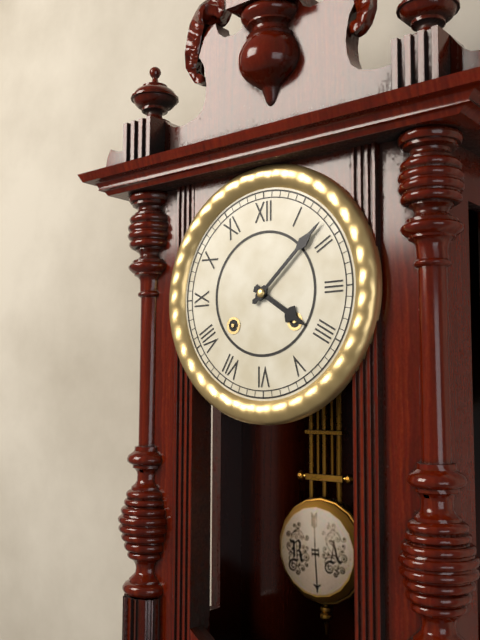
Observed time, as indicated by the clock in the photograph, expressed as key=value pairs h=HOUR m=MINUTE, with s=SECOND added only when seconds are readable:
h=4 m=8
